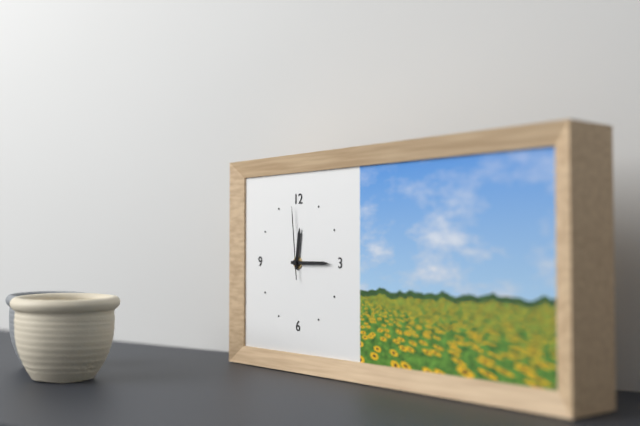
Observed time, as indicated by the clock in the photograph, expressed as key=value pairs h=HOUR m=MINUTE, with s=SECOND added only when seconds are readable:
h=12 m=15 s=59
